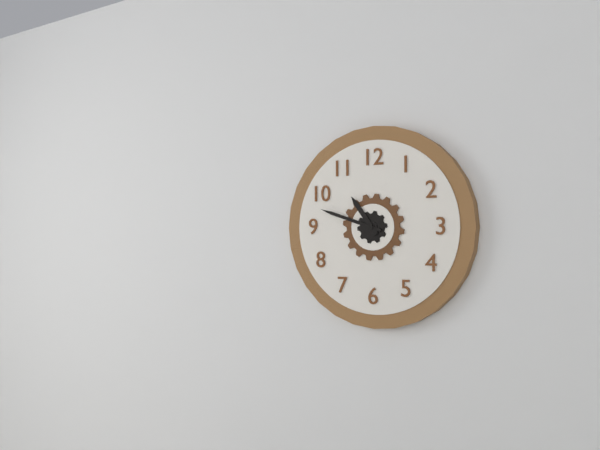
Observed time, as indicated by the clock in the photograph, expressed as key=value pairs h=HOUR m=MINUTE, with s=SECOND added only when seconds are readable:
h=10 m=48
